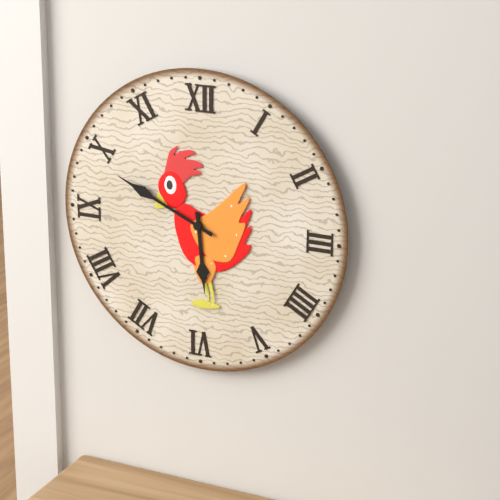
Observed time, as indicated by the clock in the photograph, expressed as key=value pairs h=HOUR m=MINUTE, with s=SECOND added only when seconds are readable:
h=5 m=49
